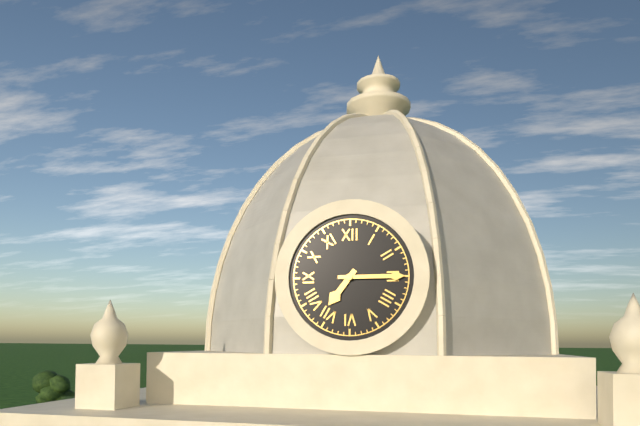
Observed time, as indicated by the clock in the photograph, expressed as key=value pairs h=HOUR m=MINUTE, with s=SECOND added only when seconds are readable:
h=7 m=15
